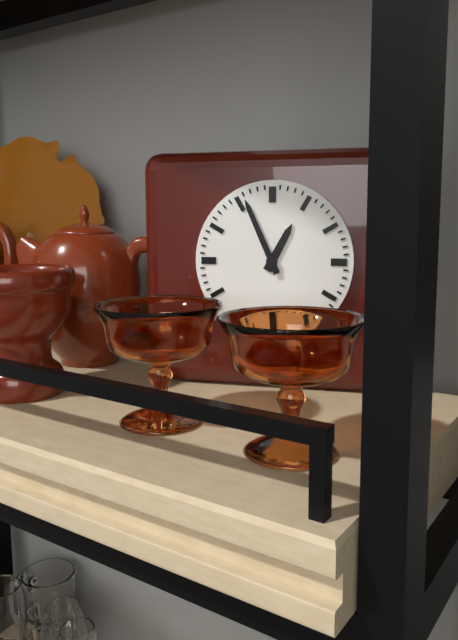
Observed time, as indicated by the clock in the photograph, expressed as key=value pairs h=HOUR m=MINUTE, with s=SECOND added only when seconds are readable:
h=12 m=56
